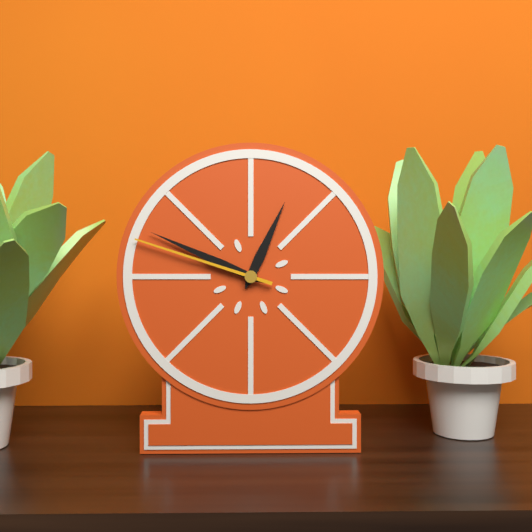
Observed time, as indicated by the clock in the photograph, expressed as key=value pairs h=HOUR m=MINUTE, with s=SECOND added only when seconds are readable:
h=12 m=49 s=48
